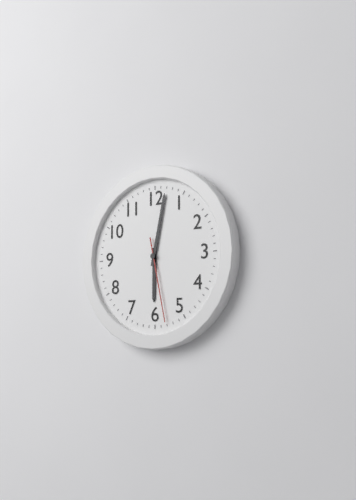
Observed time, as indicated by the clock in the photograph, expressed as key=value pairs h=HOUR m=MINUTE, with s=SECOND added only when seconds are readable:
h=6 m=2 s=28
